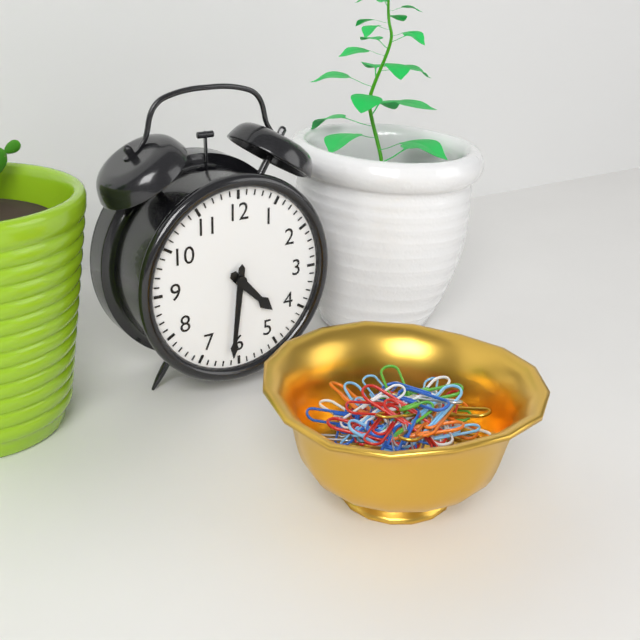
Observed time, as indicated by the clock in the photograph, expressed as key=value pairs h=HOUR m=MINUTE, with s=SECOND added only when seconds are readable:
h=4 m=31
